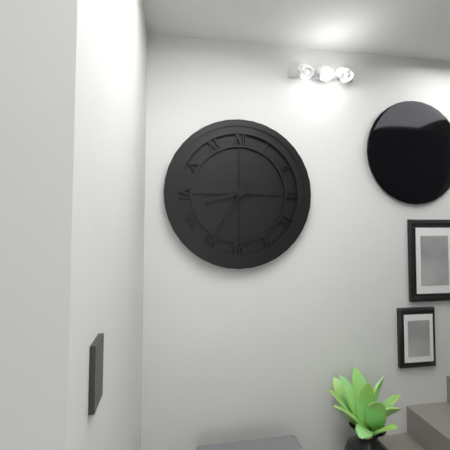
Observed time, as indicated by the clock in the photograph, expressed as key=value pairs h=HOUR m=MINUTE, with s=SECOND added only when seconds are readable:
h=8 m=35
